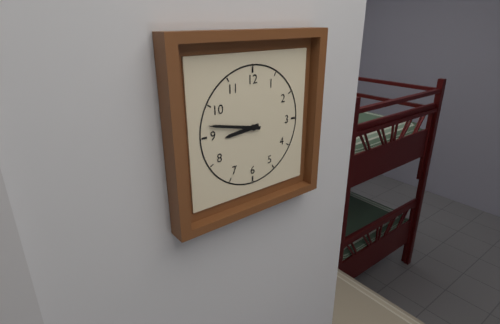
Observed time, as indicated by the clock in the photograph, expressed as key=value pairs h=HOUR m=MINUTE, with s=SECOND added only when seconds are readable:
h=8 m=47
